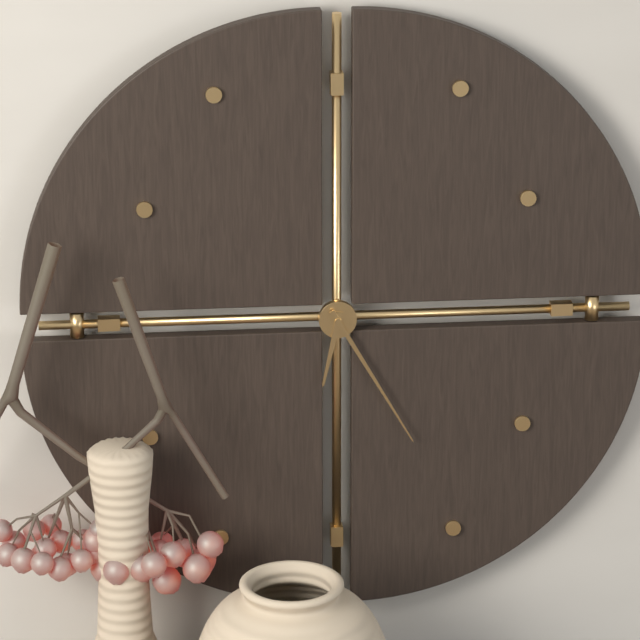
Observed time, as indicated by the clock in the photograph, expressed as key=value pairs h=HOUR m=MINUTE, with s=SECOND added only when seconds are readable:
h=6 m=25
